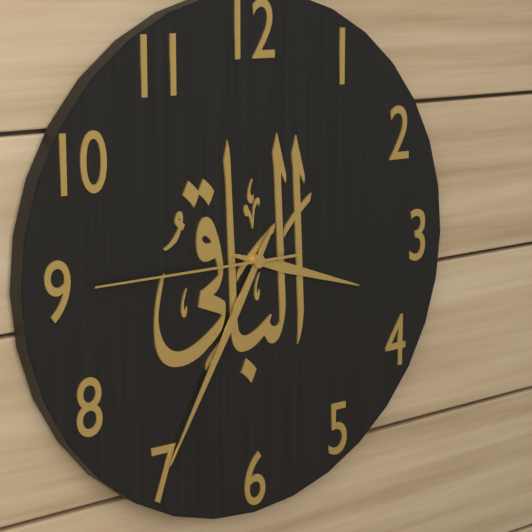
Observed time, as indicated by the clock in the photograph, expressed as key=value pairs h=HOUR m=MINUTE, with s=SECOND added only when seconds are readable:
h=3 m=35 s=45
